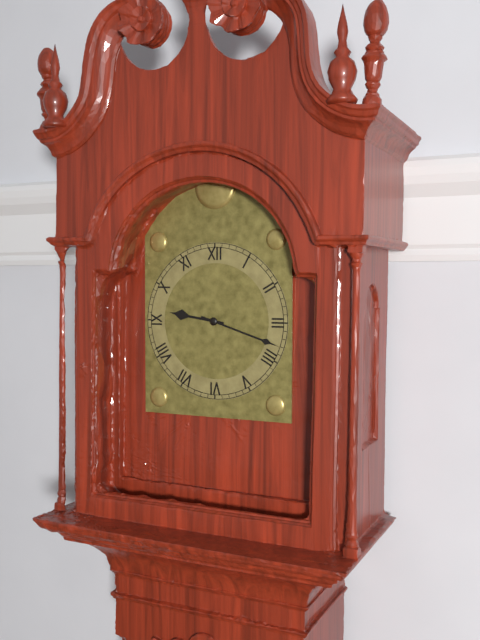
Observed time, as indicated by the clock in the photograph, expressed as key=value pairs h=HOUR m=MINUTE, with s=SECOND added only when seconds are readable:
h=9 m=18
